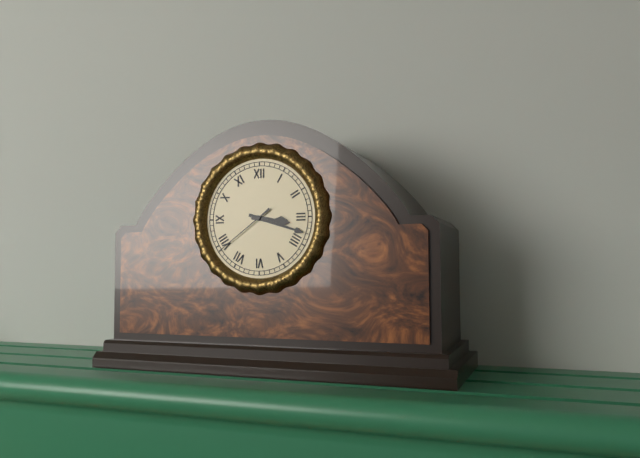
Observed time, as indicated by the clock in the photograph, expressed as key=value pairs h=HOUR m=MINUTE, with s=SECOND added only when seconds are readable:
h=3 m=18 s=39
